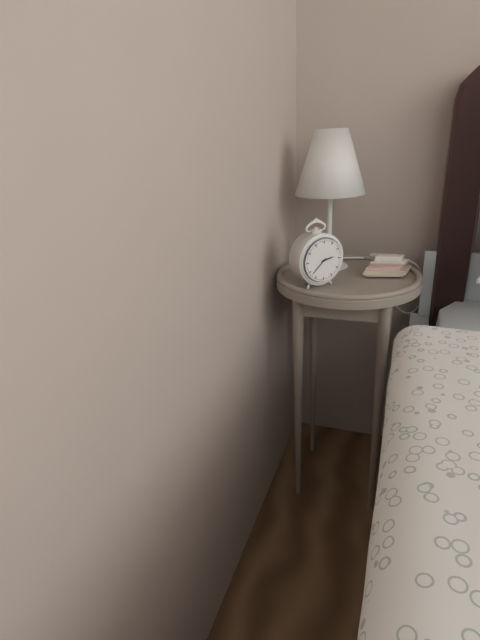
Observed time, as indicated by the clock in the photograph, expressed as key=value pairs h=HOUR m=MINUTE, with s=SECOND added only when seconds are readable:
h=2 m=38
